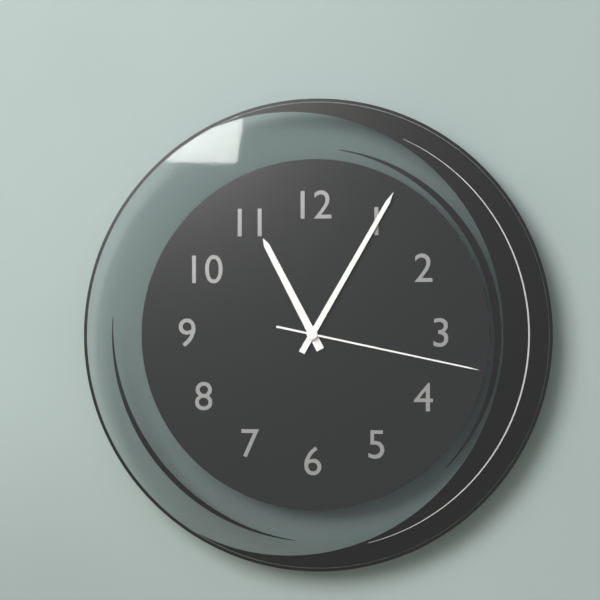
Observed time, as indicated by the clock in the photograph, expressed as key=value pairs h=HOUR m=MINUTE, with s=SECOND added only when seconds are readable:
h=11 m=5 s=17
